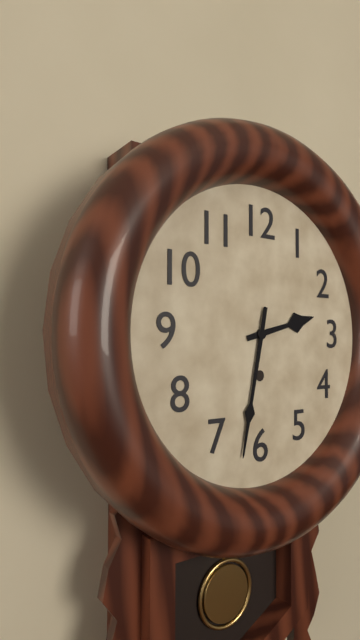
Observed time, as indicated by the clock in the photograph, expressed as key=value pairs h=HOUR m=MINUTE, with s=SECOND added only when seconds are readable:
h=2 m=32
